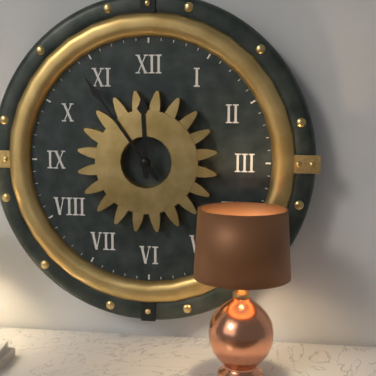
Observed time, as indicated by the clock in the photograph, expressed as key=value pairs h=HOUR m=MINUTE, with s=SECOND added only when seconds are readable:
h=11 m=54
